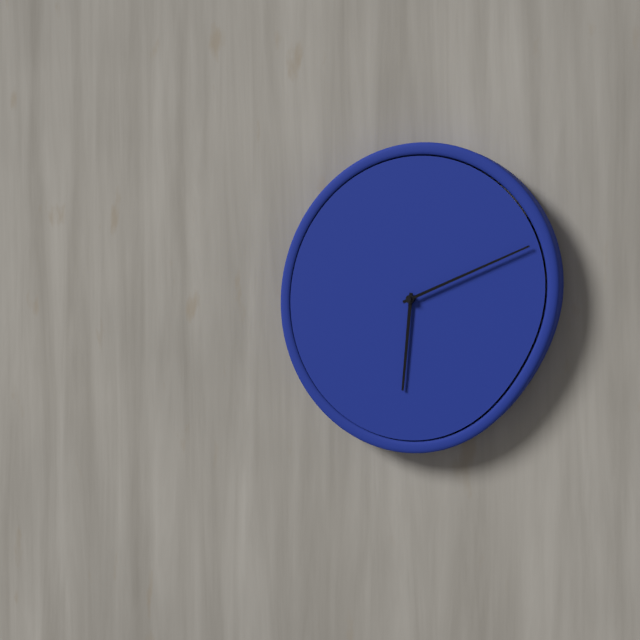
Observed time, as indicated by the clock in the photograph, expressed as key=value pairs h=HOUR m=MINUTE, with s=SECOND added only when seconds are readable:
h=6 m=11
